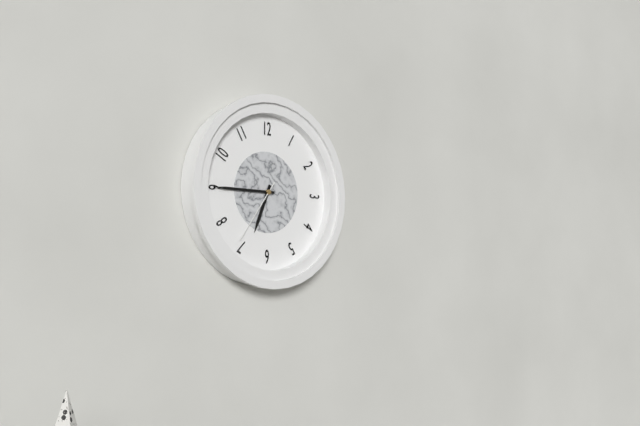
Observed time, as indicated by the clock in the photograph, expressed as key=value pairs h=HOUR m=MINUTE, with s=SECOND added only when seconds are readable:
h=6 m=45 s=36
